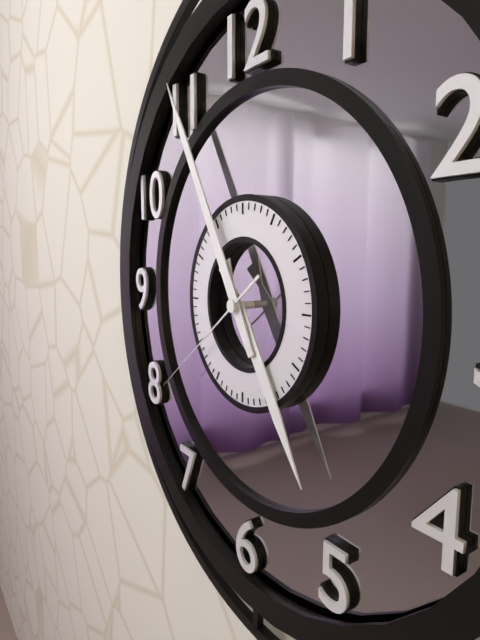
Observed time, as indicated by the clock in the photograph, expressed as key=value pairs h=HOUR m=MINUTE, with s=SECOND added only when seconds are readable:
h=4 m=55 s=39
